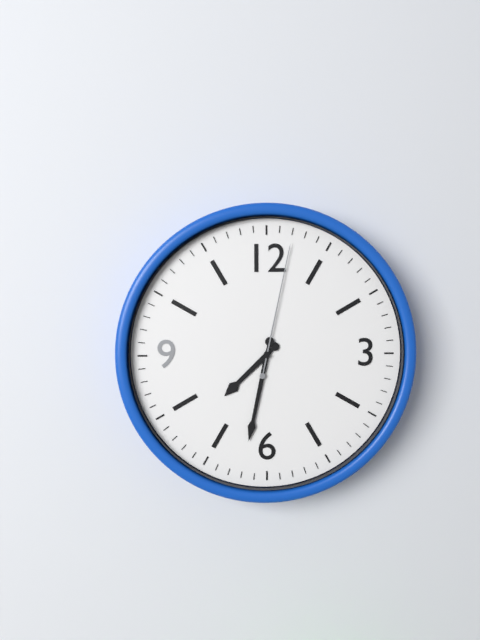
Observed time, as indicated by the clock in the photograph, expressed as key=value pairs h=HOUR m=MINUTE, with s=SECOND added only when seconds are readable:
h=7 m=32 s=2
